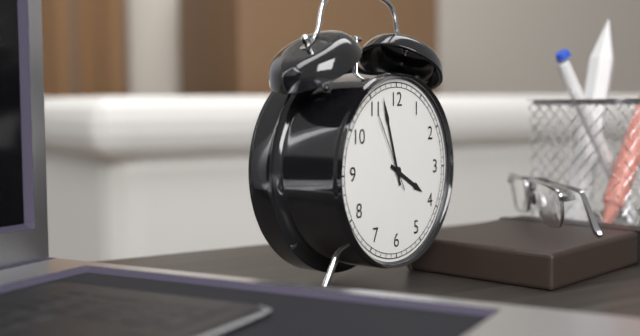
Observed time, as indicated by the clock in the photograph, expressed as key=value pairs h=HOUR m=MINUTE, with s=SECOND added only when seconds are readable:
h=3 m=57 s=55
